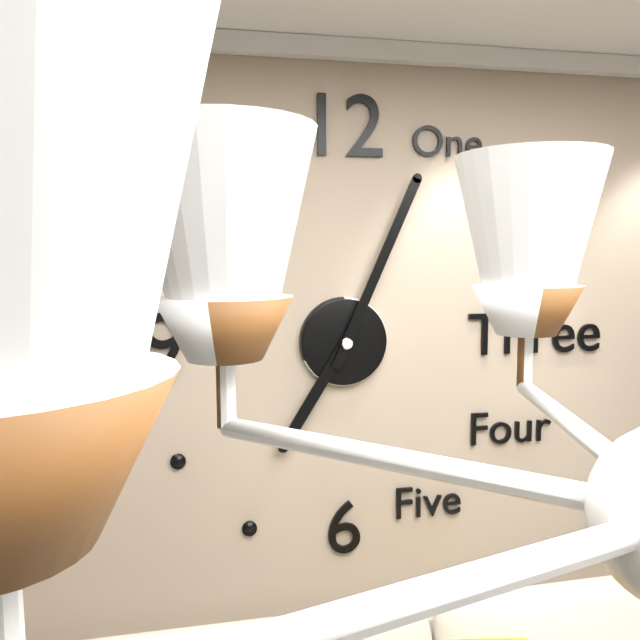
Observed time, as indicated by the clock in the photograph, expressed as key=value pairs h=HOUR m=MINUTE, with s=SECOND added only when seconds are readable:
h=7 m=4
